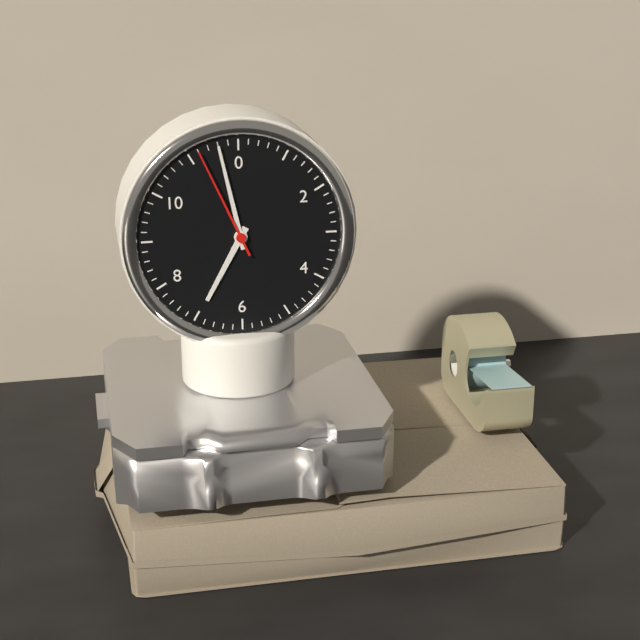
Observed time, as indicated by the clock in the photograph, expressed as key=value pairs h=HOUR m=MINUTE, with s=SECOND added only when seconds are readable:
h=6 m=58 s=56
